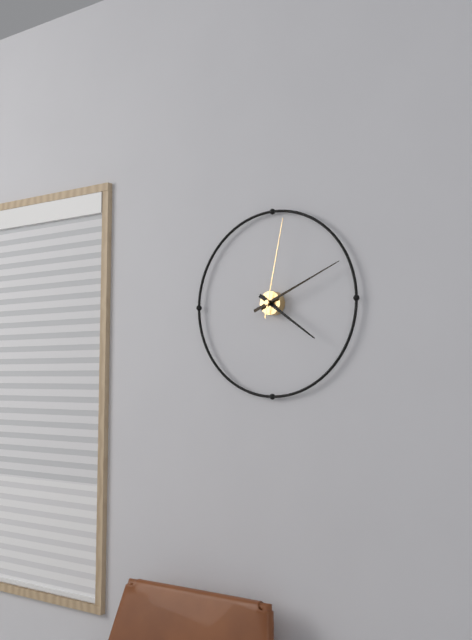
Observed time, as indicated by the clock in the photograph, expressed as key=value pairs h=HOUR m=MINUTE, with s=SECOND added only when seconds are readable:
h=4 m=11 s=2
